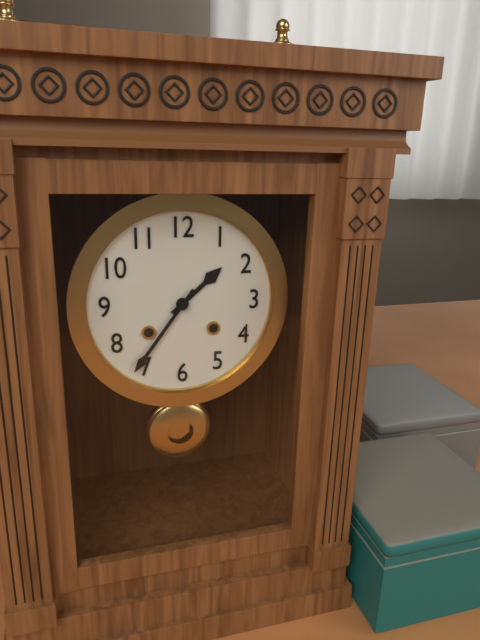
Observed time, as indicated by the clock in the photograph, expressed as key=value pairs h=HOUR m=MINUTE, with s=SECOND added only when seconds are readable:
h=1 m=36
